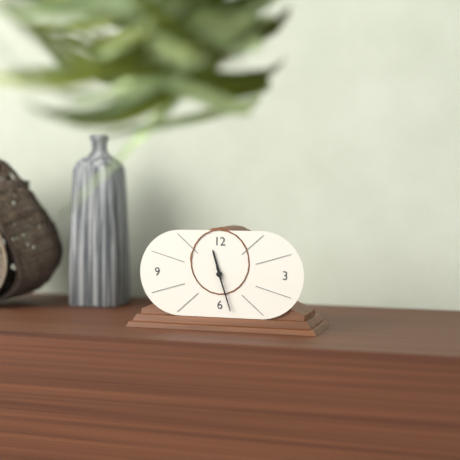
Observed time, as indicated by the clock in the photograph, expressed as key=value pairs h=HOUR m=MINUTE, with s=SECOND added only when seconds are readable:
h=11 m=27
